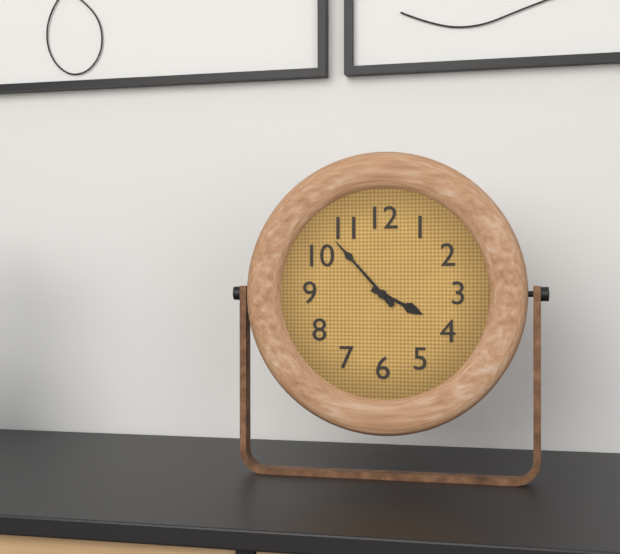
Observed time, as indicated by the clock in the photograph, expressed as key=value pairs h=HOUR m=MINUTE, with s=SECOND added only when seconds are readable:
h=3 m=53
